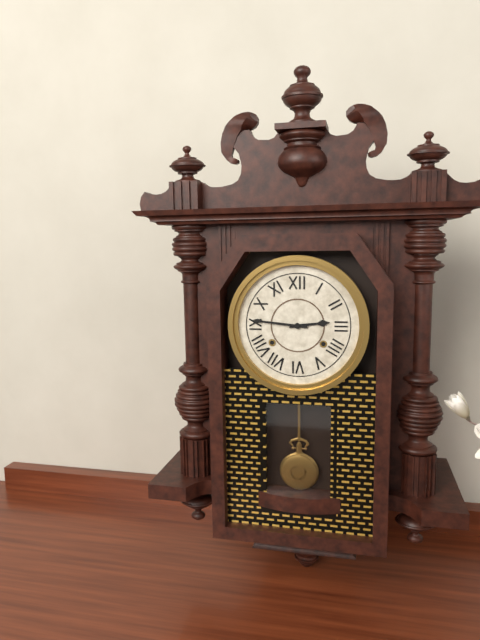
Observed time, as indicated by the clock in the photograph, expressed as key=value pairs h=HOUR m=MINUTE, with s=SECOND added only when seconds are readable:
h=2 m=46
